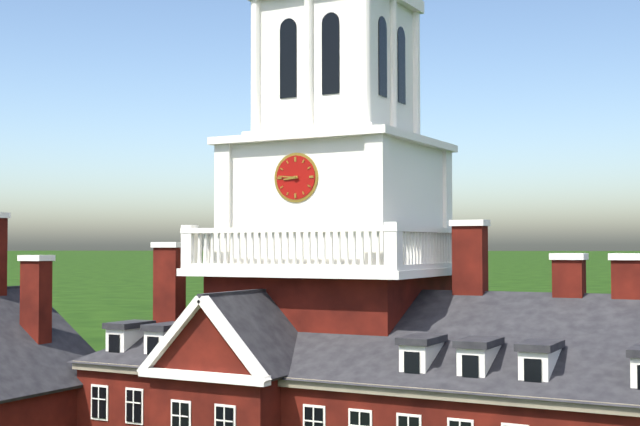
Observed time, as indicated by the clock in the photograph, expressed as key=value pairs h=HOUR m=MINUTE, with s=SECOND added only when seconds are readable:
h=8 m=46
